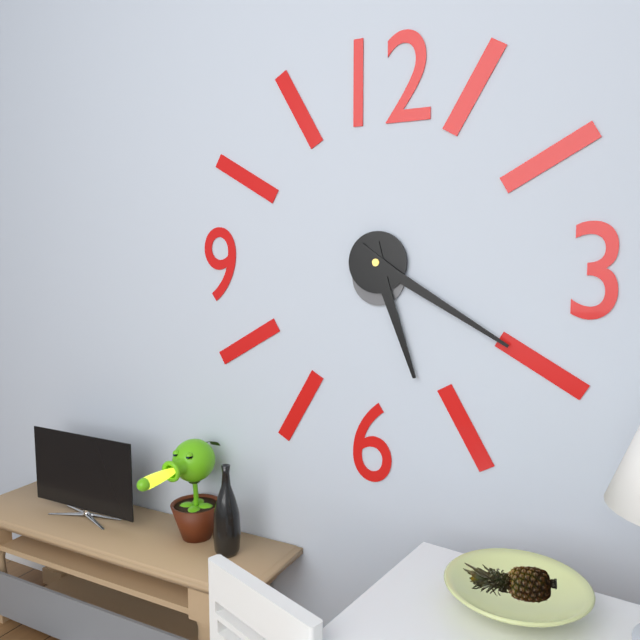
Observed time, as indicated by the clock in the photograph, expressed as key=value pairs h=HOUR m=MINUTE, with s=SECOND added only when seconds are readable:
h=5 m=20
